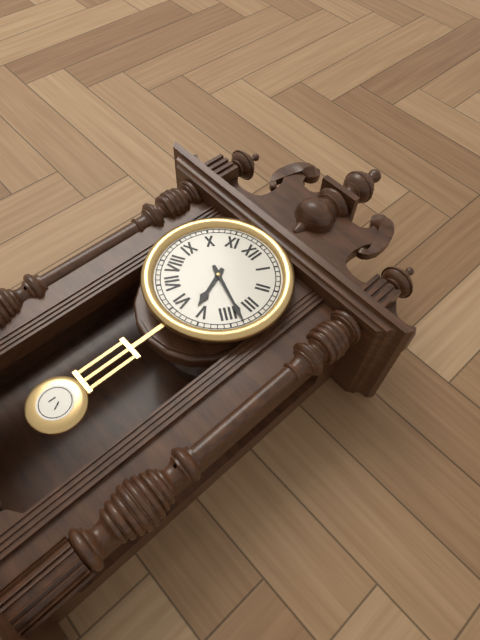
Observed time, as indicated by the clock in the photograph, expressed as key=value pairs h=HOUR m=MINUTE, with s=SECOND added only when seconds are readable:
h=5 m=18
